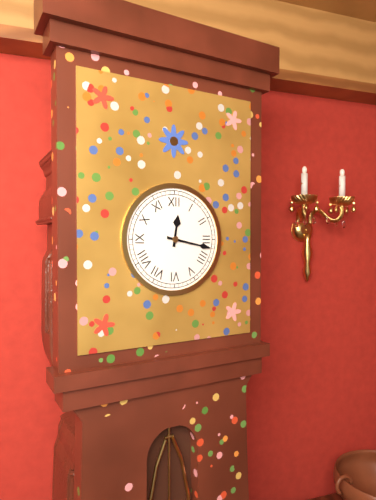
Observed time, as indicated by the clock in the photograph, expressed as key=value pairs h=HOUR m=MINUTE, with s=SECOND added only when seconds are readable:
h=12 m=17
